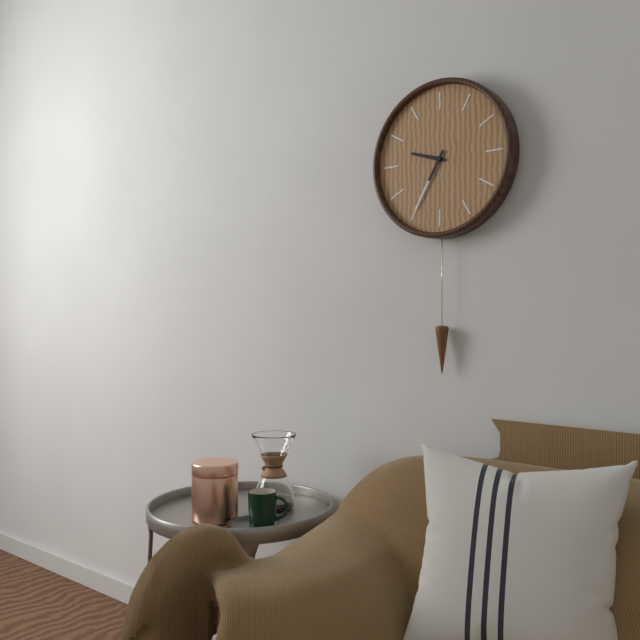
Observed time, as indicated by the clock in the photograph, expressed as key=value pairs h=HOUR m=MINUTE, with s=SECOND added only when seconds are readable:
h=9 m=35
